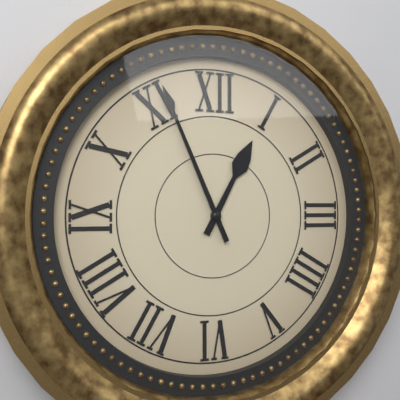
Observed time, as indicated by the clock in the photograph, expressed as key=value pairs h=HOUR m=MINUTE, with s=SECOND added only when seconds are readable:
h=12 m=56
